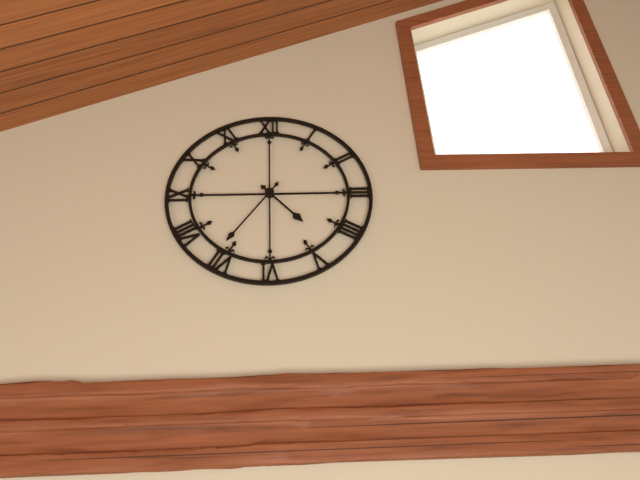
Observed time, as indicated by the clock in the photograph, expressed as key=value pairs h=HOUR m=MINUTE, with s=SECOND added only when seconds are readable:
h=4 m=36
